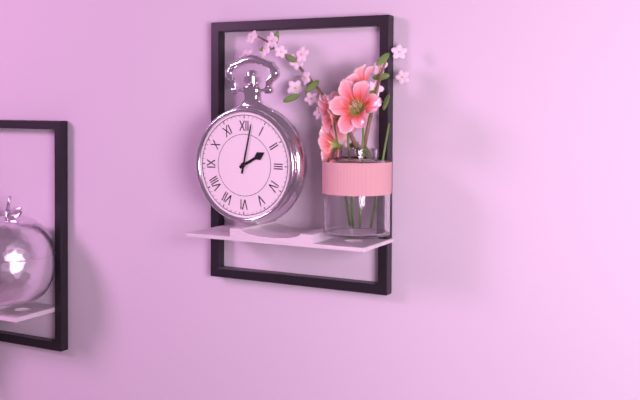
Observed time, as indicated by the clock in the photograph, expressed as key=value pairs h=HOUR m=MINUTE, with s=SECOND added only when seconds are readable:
h=2 m=2
